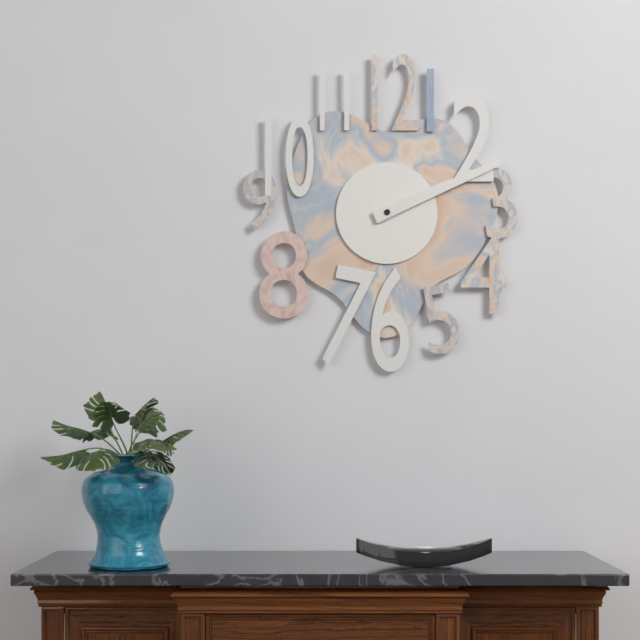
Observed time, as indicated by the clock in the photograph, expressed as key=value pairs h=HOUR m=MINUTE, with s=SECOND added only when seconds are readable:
h=2 m=11
